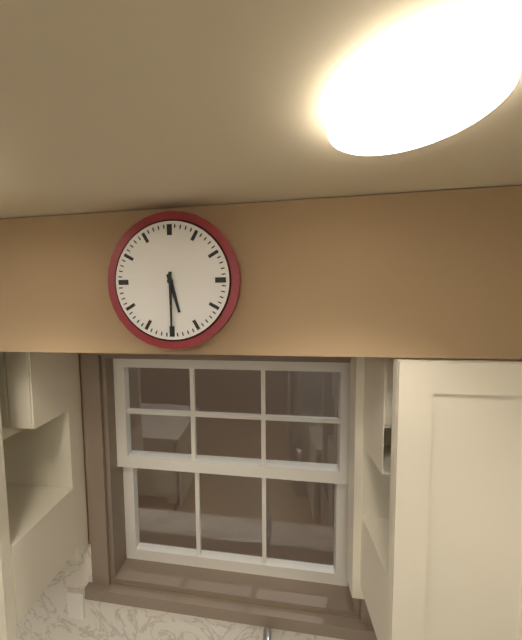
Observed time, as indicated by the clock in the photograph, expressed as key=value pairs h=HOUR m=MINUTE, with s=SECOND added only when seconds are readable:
h=5 m=30
